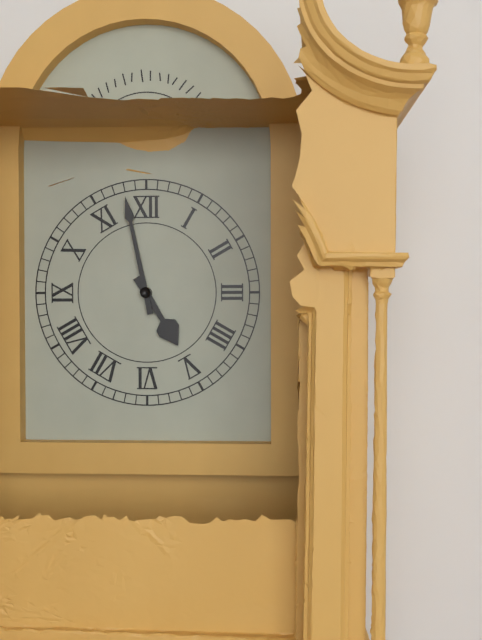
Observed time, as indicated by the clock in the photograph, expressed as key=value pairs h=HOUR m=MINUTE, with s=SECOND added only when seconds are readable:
h=4 m=58
